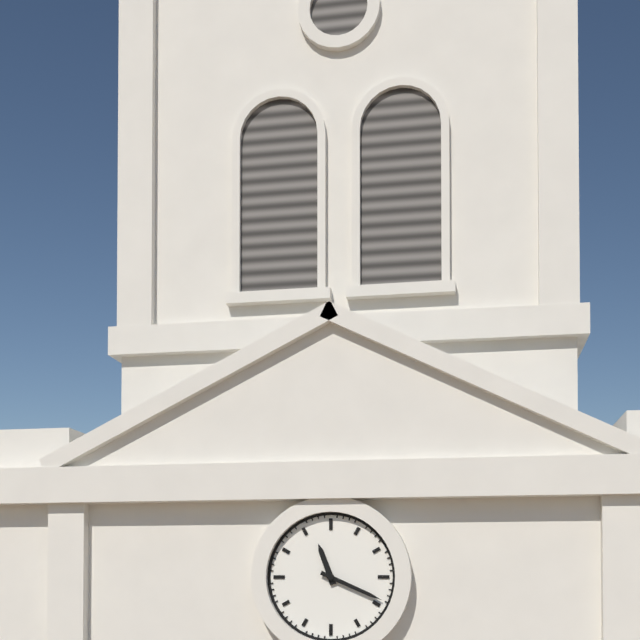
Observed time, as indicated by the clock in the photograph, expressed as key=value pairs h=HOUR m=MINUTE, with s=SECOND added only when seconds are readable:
h=11 m=19
